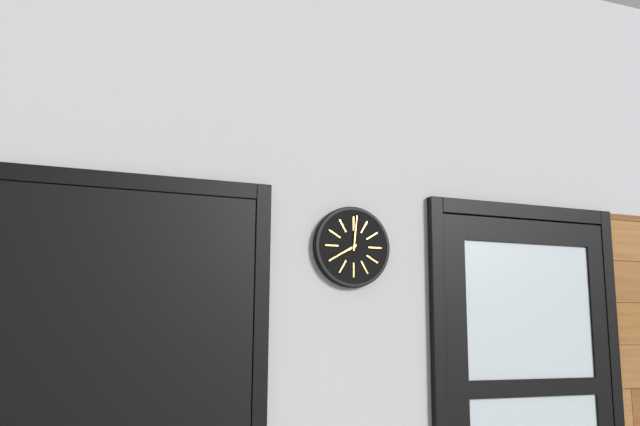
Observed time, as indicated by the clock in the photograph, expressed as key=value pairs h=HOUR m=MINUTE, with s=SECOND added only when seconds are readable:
h=8 m=1
